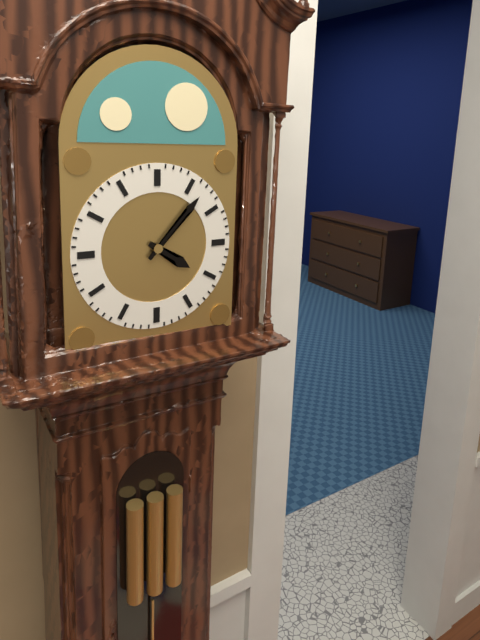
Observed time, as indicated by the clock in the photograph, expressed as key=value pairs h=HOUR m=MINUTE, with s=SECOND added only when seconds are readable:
h=4 m=7
